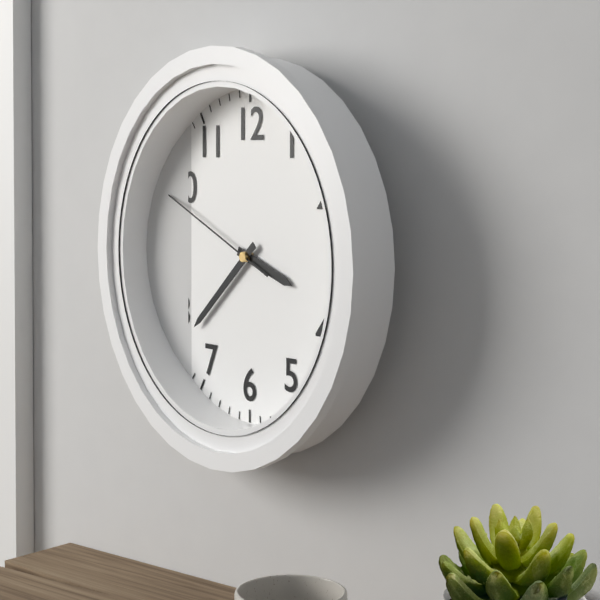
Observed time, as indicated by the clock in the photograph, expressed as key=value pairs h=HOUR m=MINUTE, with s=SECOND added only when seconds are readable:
h=3 m=38 s=49
